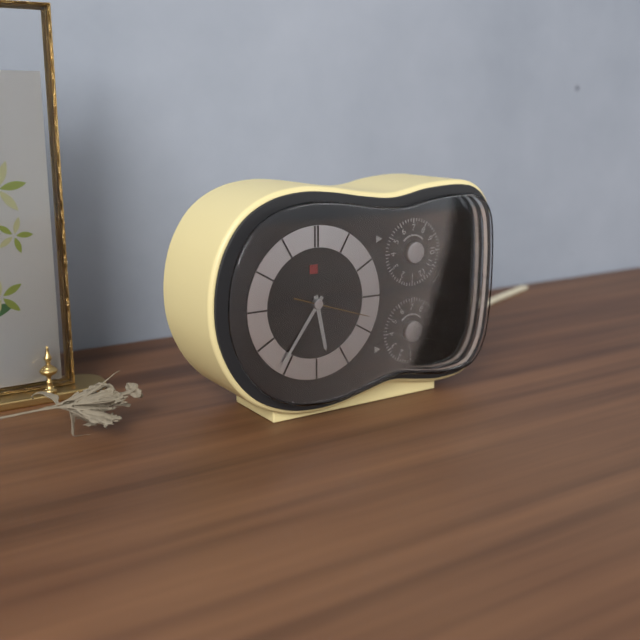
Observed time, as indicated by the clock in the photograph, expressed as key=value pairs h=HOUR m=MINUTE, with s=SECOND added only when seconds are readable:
h=5 m=36 s=18
